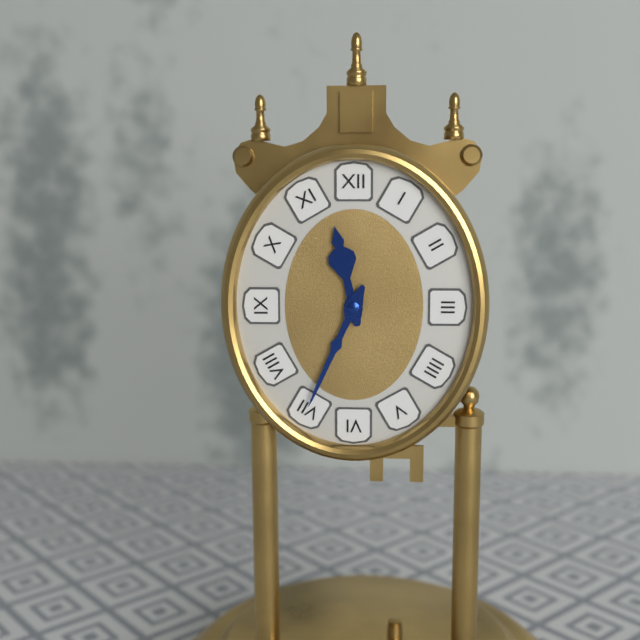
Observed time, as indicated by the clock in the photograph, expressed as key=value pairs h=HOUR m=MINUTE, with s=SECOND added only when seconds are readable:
h=11 m=34
